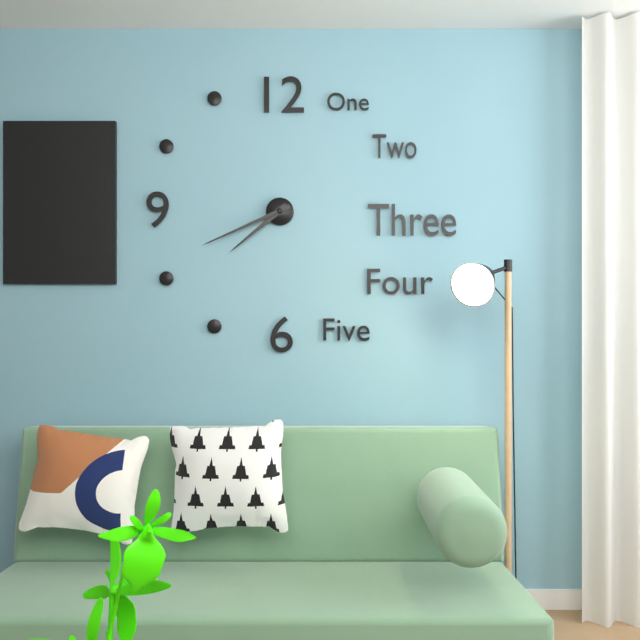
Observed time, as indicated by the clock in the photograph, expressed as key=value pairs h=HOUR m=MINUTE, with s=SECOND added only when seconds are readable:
h=7 m=41
